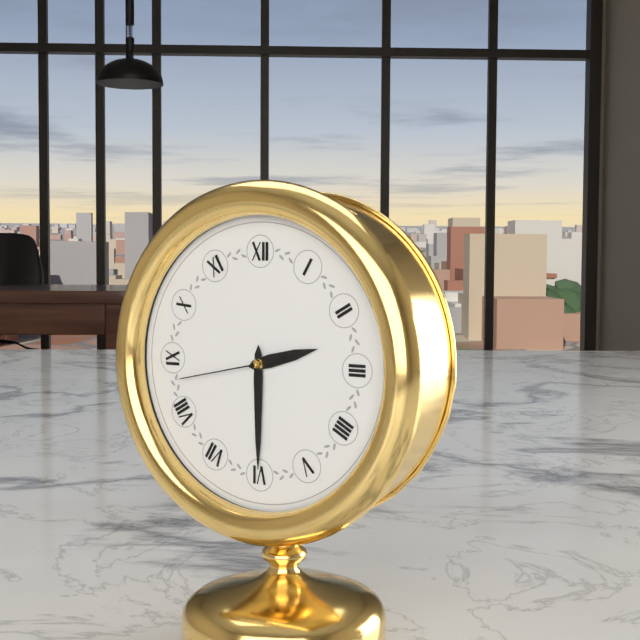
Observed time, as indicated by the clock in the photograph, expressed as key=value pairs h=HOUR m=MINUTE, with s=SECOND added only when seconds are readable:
h=2 m=30 s=43
